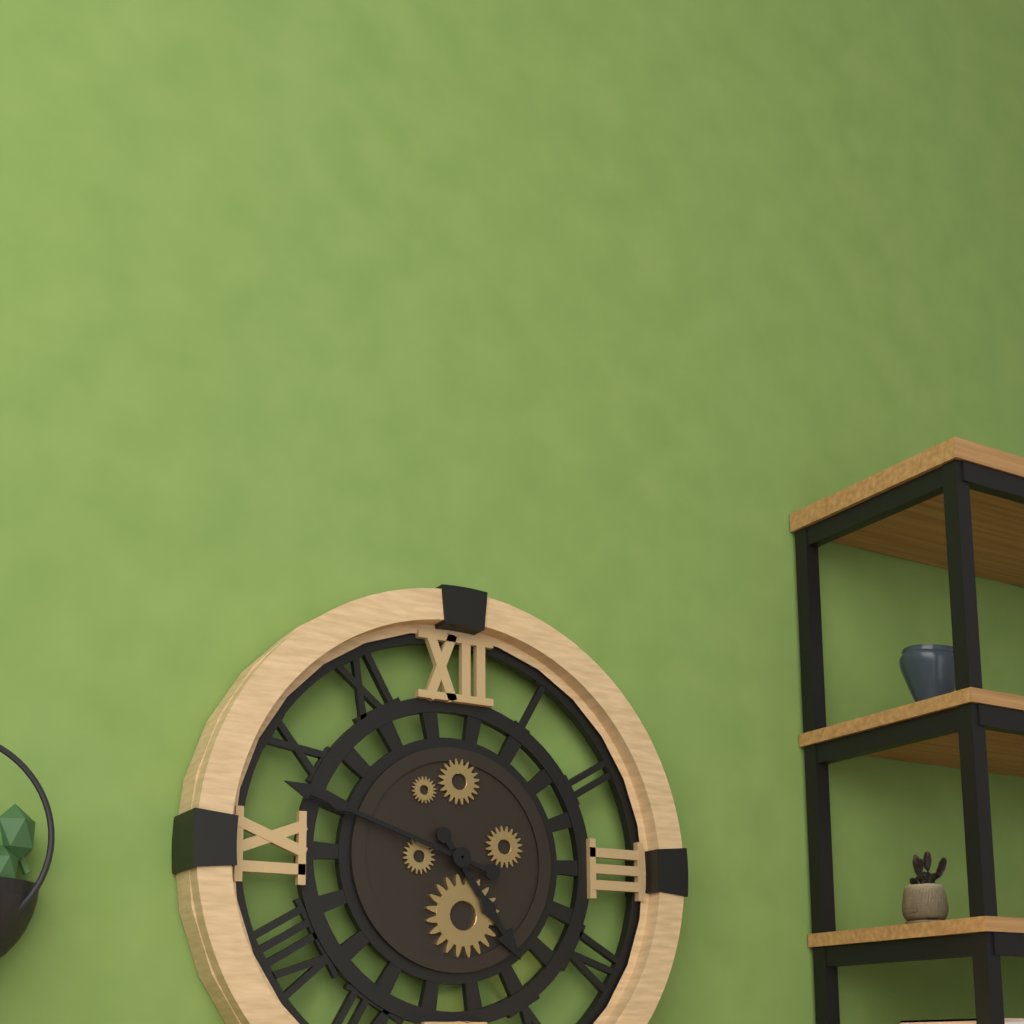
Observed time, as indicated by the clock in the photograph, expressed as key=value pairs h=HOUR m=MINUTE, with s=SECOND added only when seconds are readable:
h=4 m=48
